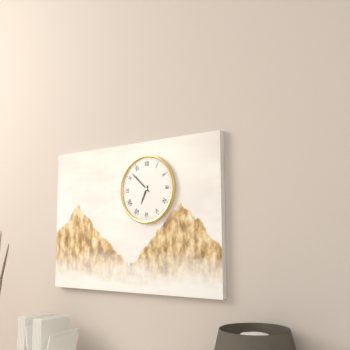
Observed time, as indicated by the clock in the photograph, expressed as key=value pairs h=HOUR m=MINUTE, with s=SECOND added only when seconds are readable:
h=6 m=52
